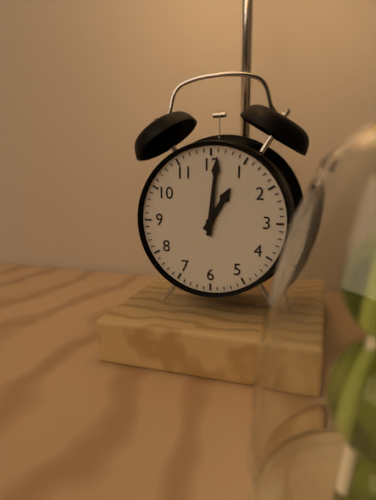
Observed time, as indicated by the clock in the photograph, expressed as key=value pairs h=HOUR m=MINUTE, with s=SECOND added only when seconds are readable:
h=1 m=1
